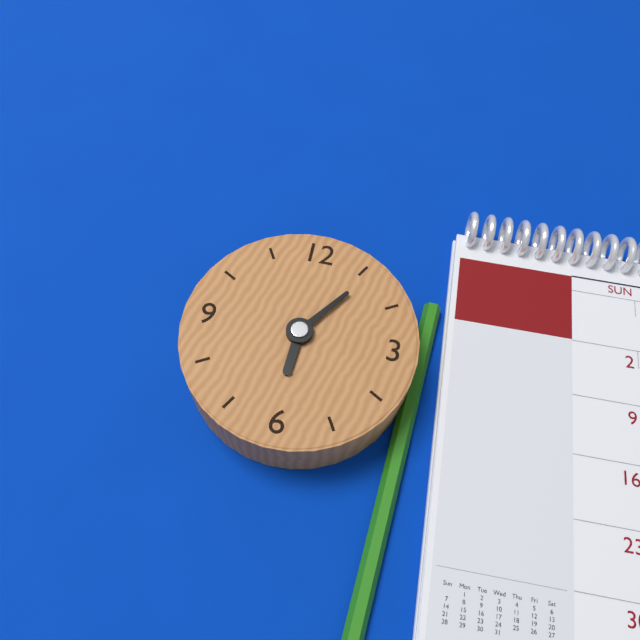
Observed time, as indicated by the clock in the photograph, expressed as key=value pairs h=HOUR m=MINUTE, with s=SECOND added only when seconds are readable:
h=6 m=6
